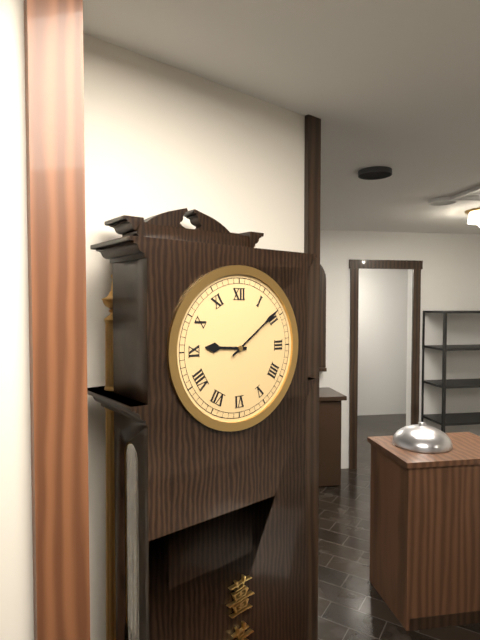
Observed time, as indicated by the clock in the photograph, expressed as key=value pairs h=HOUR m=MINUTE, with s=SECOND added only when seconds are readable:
h=9 m=9
